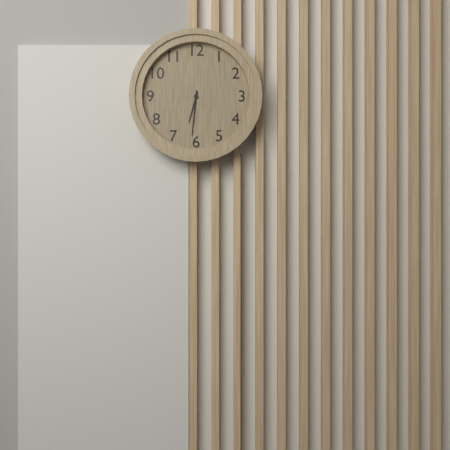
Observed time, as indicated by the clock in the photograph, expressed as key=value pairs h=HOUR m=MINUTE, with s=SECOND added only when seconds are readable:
h=6 m=31
